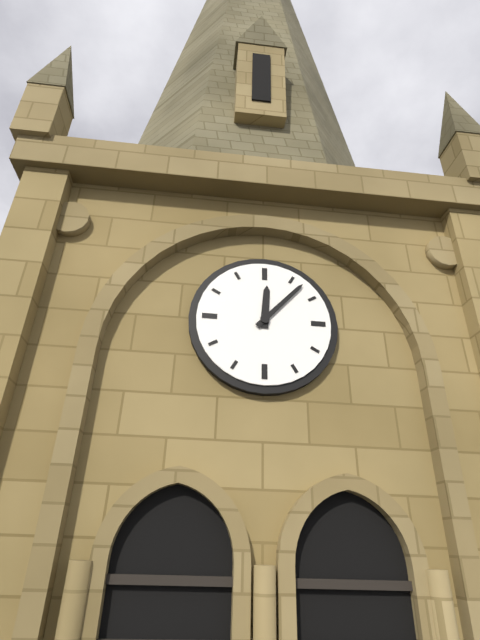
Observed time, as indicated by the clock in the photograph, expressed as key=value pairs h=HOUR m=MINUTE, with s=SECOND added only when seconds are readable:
h=12 m=7
